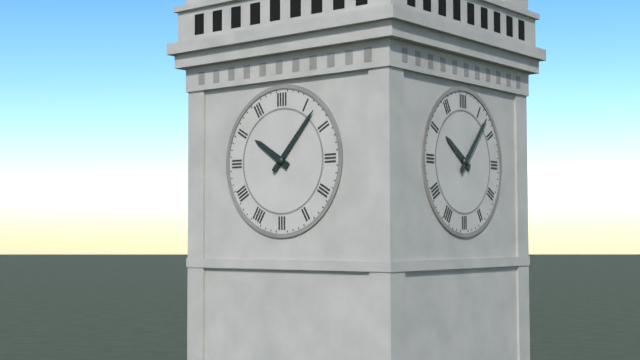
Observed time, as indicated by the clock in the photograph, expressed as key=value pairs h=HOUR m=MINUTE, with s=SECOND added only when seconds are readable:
h=10 m=7
